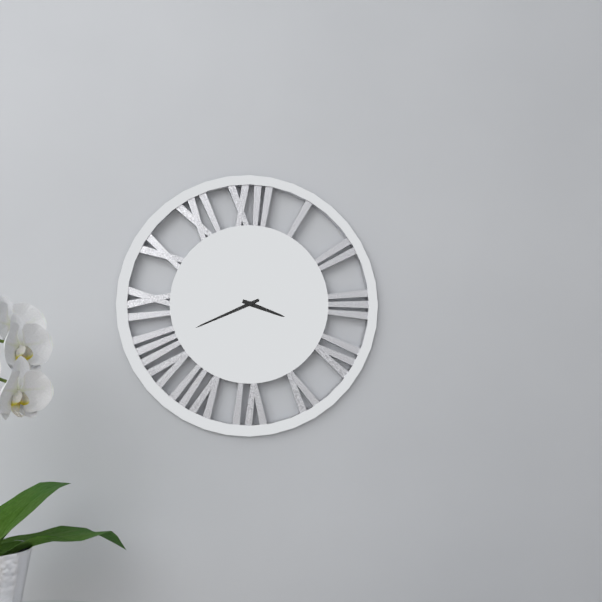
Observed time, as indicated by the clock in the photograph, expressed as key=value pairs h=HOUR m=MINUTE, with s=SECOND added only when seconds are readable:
h=3 m=41
